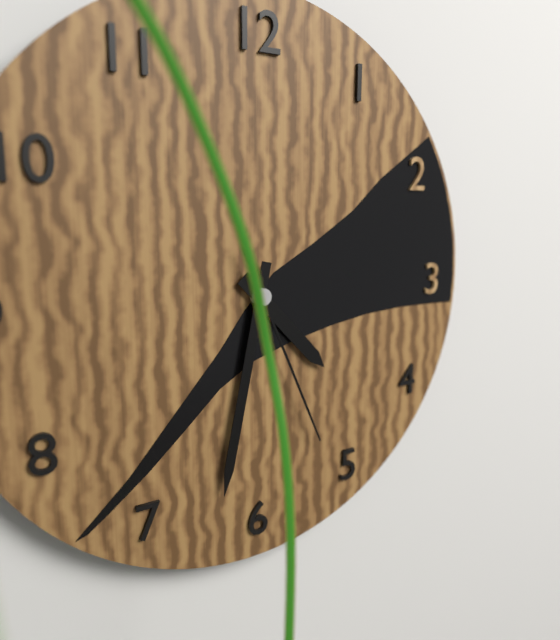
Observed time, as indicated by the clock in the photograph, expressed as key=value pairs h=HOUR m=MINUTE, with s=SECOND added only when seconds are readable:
h=4 m=32 s=26
